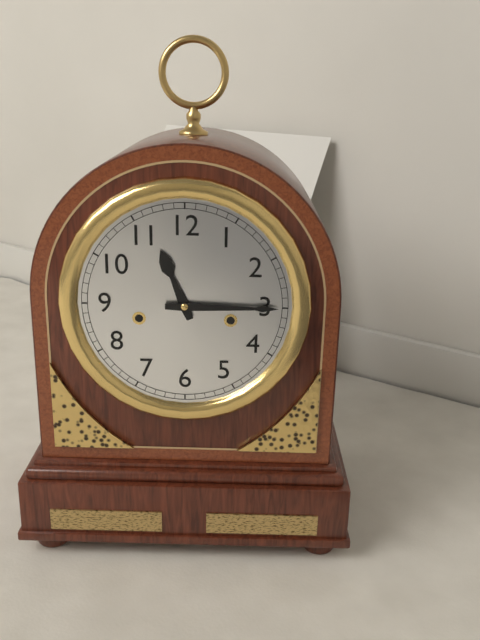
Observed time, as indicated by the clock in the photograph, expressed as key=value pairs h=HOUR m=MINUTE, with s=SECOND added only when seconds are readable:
h=11 m=15
